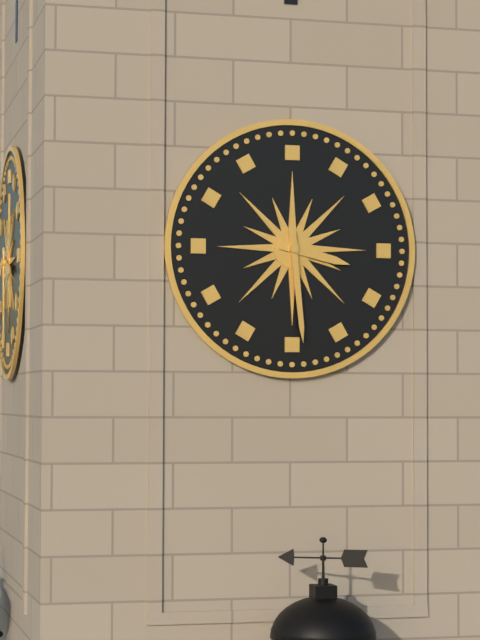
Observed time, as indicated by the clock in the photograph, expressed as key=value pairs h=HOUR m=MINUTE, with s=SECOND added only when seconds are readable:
h=3 m=29
